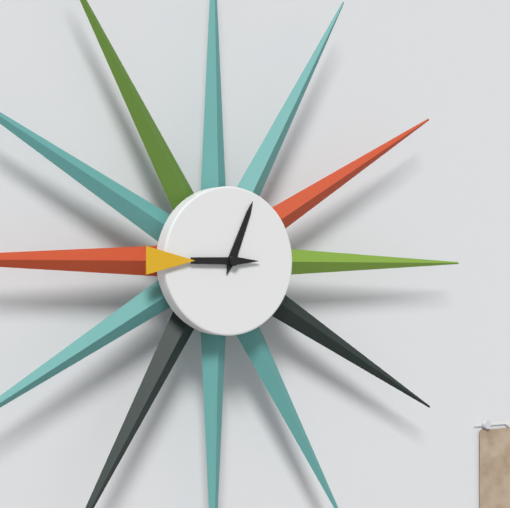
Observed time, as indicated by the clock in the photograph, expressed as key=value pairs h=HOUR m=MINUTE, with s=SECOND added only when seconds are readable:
h=12 m=45
